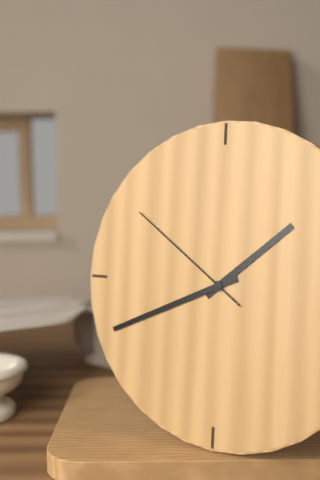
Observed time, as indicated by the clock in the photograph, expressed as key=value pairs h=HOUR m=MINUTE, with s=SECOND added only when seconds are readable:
h=1 m=41 s=51
